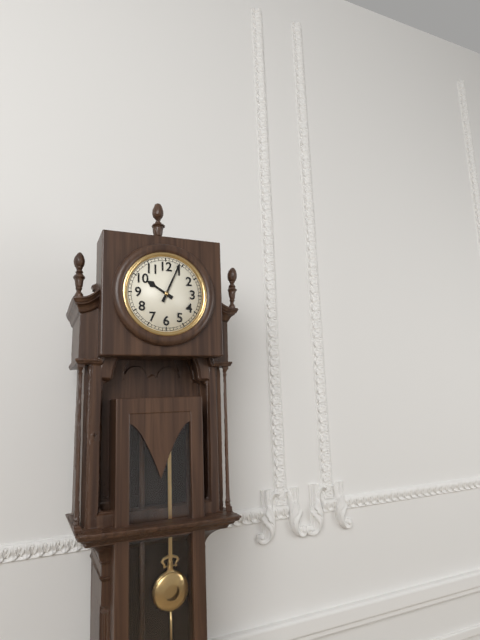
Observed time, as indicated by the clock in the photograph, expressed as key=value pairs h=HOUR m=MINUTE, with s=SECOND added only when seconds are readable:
h=10 m=4
